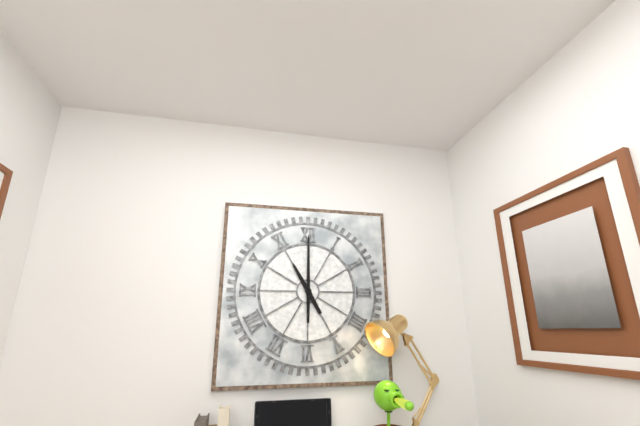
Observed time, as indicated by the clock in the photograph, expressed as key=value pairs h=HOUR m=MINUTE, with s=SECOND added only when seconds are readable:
h=11 m=0
